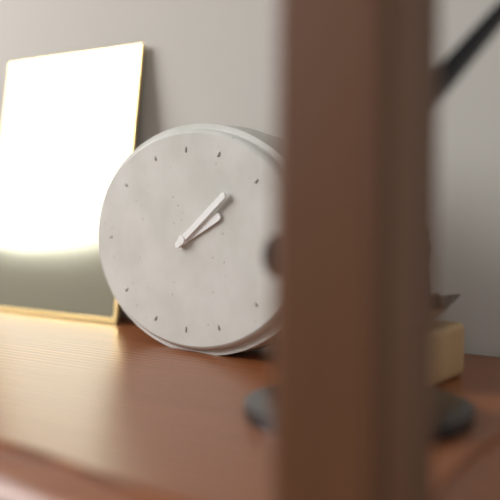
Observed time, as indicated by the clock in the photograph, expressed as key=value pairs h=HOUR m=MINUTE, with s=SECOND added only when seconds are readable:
h=2 m=9
